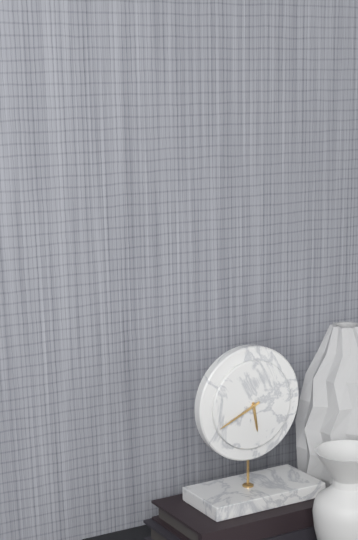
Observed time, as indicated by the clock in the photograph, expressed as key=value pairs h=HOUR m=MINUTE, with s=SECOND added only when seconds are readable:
h=5 m=41
